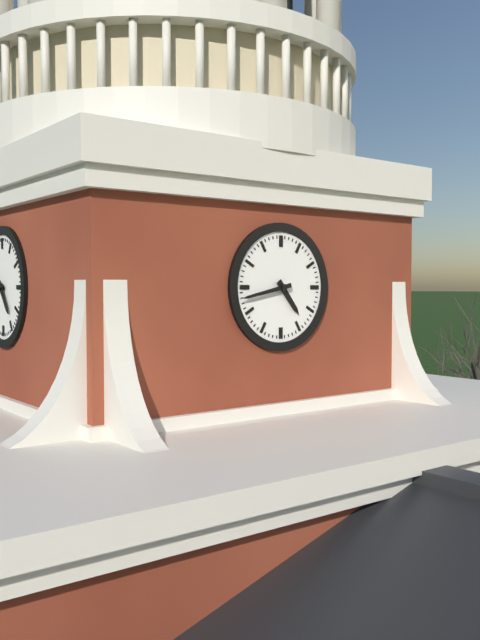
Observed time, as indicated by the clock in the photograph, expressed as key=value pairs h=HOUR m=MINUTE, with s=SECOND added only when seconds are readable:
h=4 m=43
